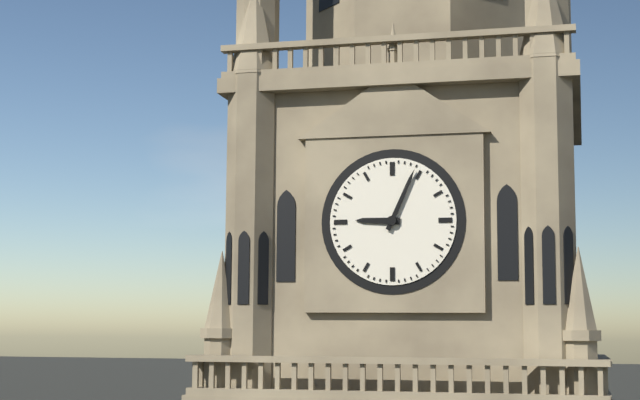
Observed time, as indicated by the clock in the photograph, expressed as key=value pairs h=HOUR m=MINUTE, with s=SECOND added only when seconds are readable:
h=9 m=4
